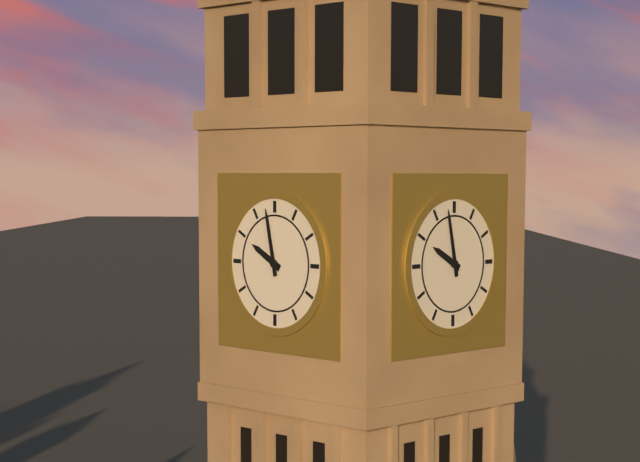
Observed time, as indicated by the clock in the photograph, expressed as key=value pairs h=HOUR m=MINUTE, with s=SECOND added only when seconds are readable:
h=9 m=58
